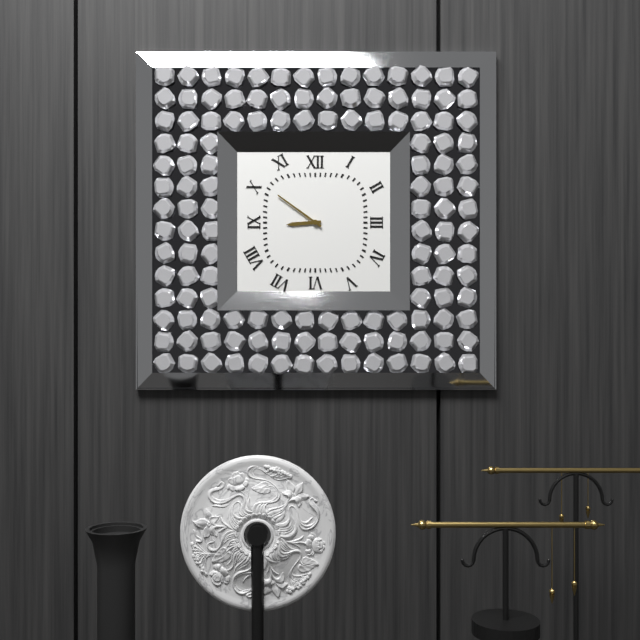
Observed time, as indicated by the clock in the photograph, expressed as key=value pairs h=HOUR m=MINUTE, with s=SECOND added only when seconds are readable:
h=8 m=51
